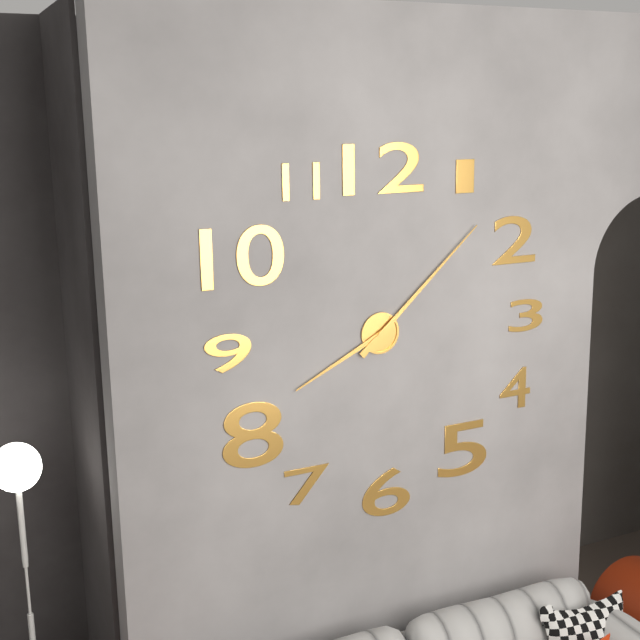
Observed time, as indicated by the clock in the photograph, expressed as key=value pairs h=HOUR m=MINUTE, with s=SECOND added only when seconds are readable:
h=8 m=8
